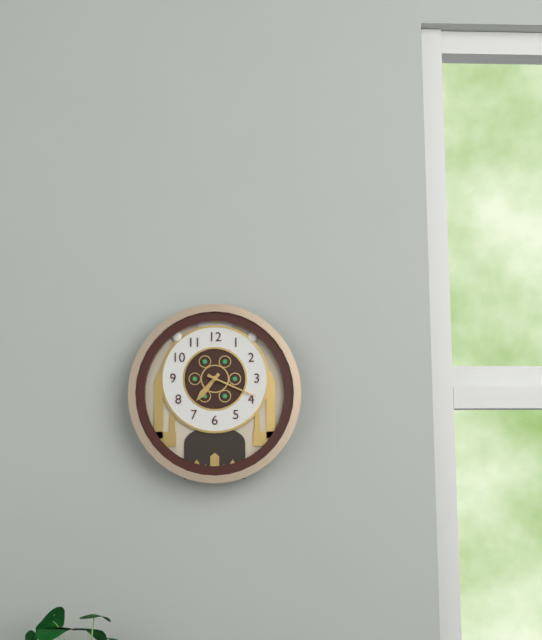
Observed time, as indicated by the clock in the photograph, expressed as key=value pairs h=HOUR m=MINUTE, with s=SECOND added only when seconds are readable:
h=7 m=19
